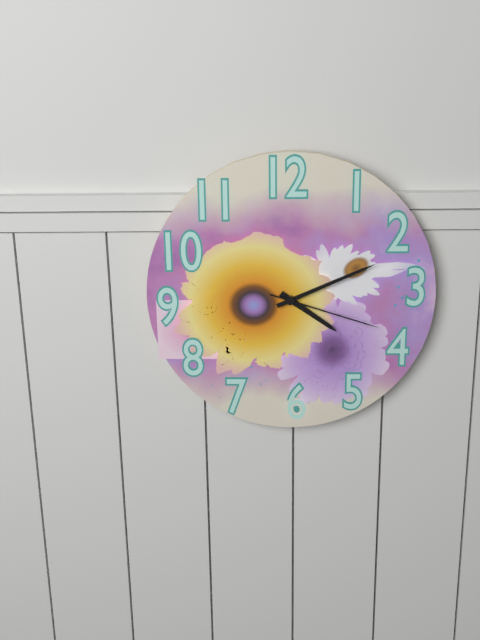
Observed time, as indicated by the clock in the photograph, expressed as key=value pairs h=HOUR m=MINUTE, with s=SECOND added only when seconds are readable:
h=4 m=11 s=18
